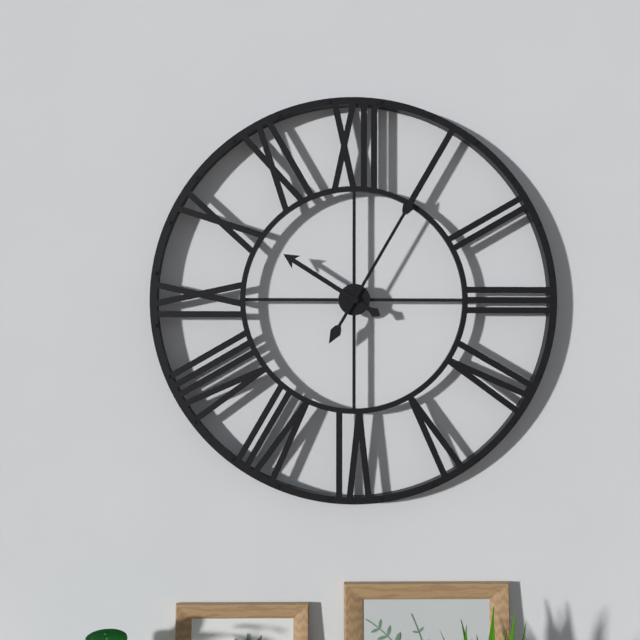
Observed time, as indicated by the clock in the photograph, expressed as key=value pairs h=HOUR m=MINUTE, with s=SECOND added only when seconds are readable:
h=10 m=5
